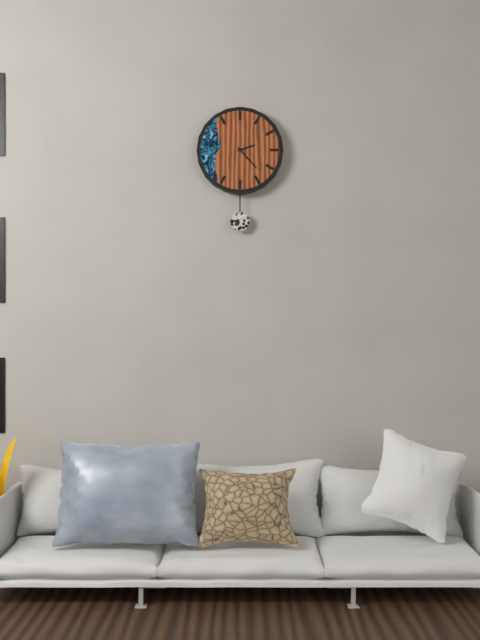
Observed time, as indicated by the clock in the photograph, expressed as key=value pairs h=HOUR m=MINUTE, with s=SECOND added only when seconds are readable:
h=2 m=23
